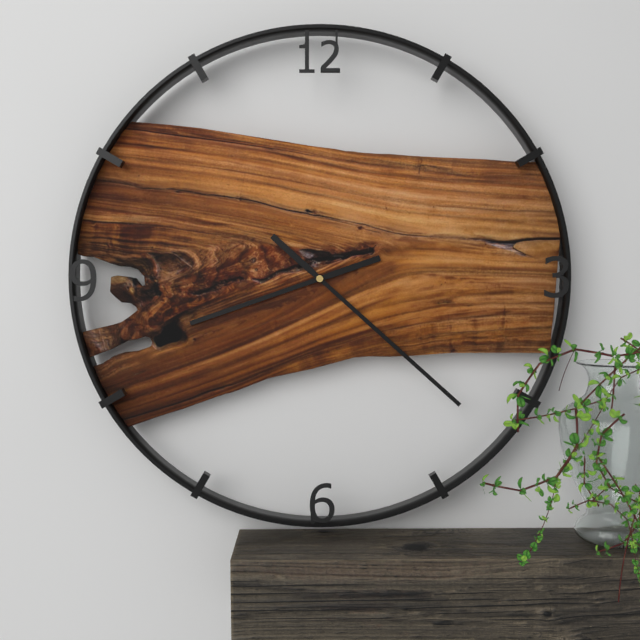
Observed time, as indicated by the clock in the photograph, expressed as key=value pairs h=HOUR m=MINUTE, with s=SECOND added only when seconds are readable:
h=8 m=22
